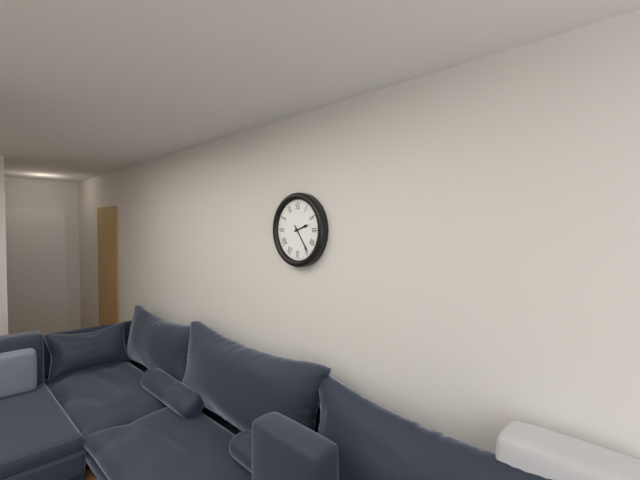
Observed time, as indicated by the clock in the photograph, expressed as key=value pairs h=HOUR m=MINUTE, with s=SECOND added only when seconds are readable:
h=2 m=24
